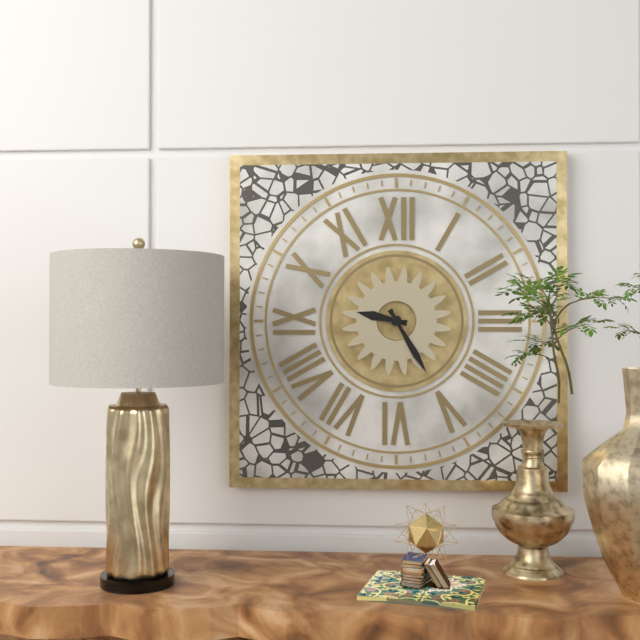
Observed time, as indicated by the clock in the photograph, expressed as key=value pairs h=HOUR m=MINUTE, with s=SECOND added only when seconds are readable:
h=9 m=25
